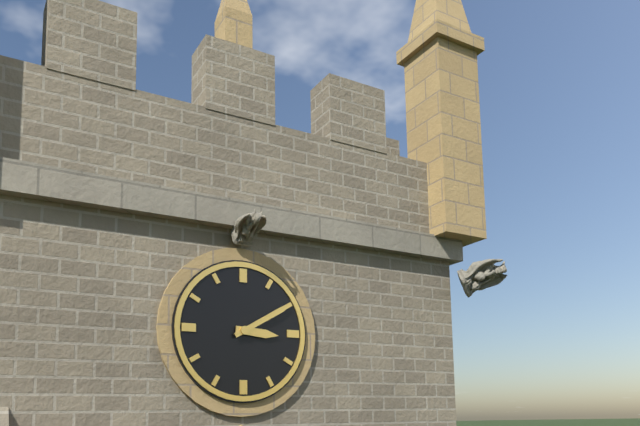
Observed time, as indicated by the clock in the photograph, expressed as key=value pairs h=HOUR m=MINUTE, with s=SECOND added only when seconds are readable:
h=3 m=10
